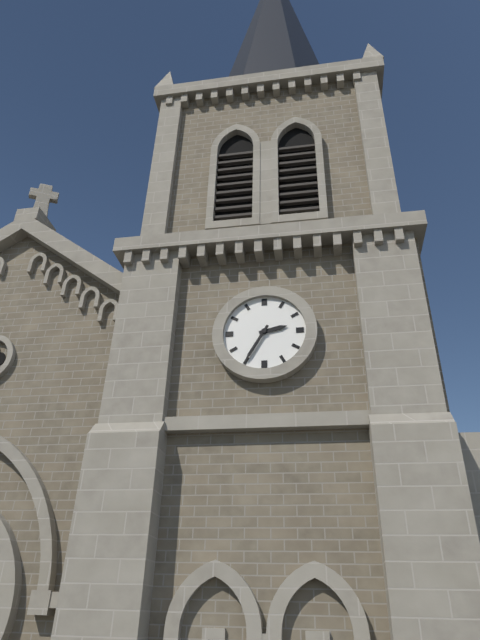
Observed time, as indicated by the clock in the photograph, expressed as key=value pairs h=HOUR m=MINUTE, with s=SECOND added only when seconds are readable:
h=2 m=35
